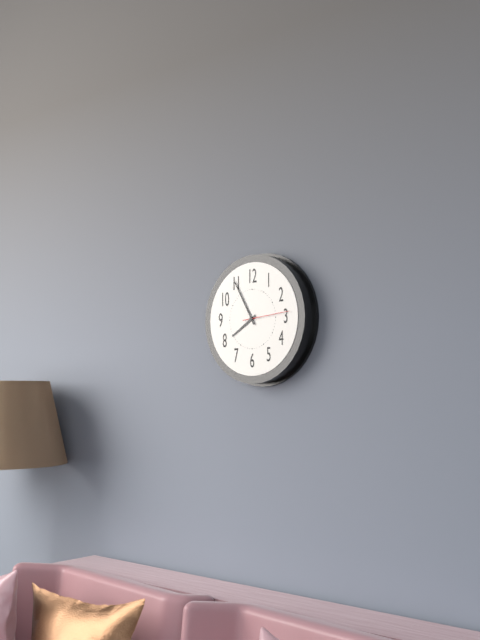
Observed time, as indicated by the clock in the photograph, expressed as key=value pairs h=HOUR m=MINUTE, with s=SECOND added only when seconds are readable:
h=7 m=55
